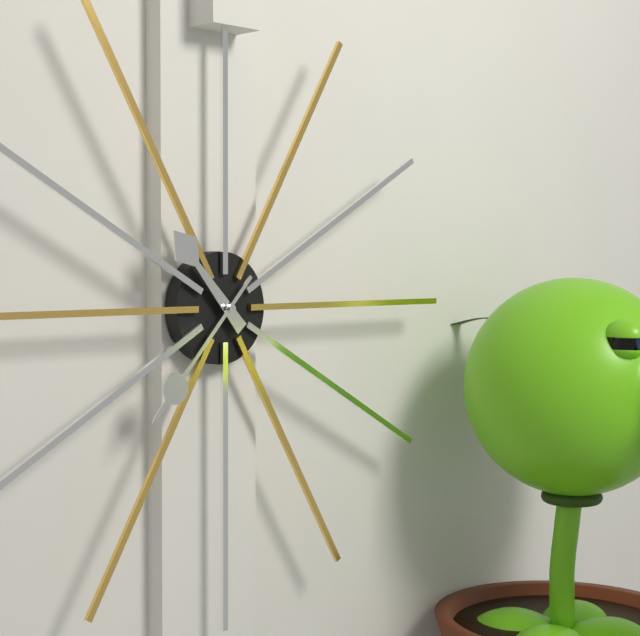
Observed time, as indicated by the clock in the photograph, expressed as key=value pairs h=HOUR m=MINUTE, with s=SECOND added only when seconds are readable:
h=10 m=37
